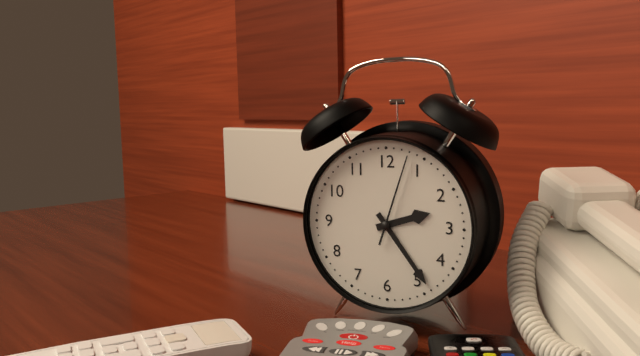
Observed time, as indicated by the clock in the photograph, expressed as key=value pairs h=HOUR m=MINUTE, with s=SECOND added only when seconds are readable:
h=2 m=24 s=3
